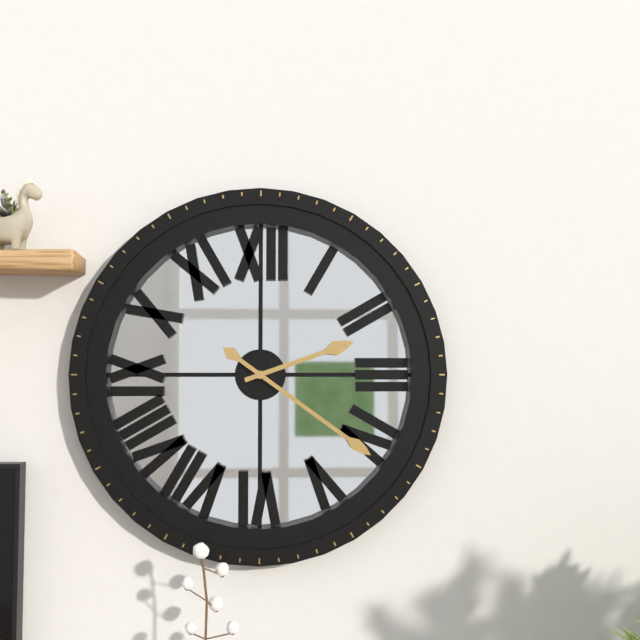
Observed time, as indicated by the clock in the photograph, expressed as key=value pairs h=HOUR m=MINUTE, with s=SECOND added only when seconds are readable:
h=2 m=21
